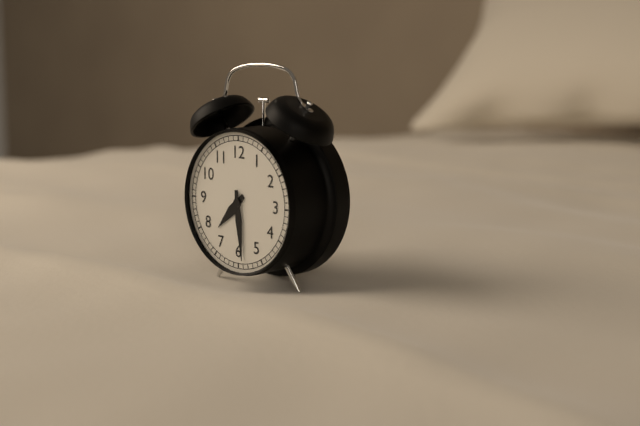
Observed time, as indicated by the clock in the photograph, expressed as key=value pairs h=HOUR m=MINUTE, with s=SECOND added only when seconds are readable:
h=7 m=29
